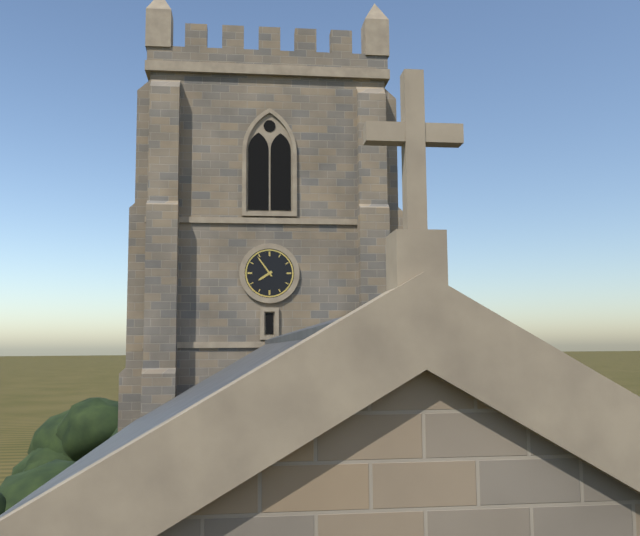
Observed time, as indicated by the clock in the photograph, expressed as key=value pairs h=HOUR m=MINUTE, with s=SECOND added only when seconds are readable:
h=7 m=54
